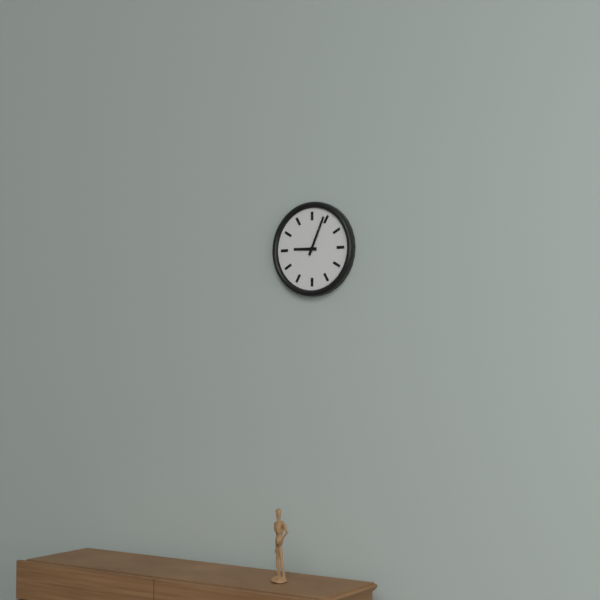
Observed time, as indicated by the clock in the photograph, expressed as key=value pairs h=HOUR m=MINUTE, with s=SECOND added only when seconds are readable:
h=9 m=4
